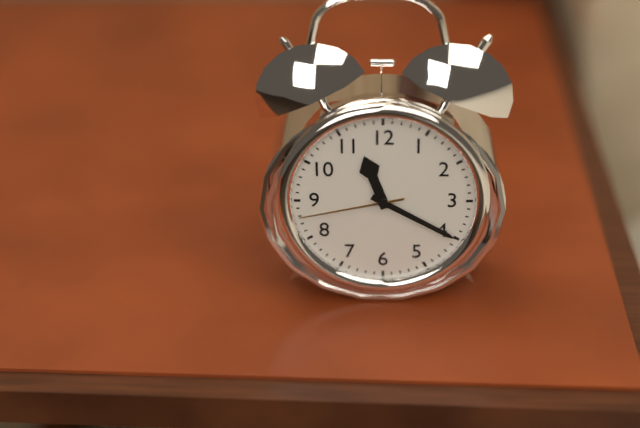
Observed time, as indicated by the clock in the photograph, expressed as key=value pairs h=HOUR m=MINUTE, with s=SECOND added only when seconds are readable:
h=11 m=20 s=43
